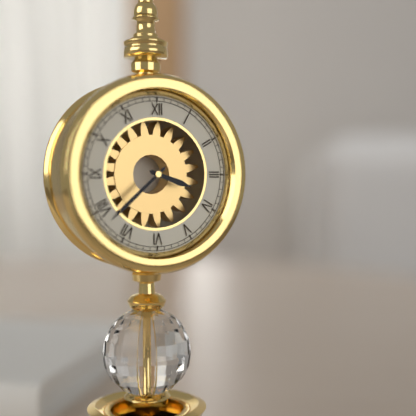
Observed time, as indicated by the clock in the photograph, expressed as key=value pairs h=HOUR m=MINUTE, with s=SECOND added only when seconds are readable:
h=3 m=38
